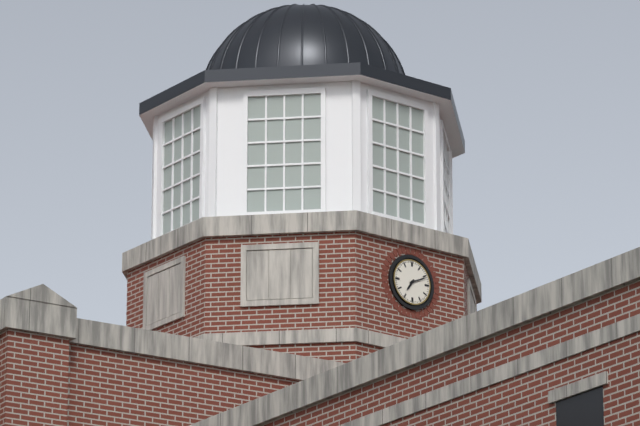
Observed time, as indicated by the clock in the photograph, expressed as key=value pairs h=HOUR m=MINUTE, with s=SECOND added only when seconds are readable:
h=7 m=11
